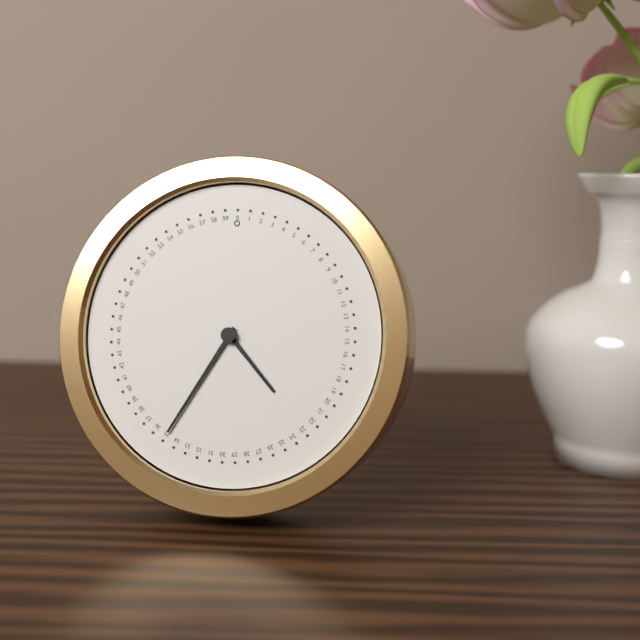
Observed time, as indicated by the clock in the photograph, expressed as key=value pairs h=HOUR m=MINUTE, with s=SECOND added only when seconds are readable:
h=4 m=35
